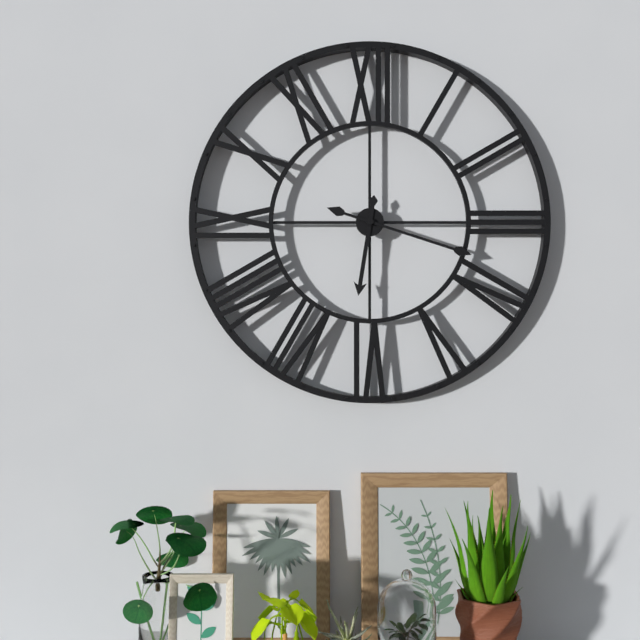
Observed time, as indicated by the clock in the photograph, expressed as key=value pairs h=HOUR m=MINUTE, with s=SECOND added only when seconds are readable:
h=6 m=18
